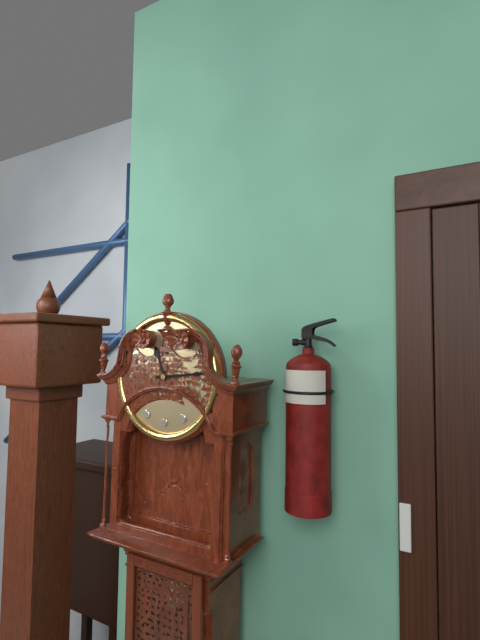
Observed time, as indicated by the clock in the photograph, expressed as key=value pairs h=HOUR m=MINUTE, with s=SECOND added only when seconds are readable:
h=11 m=14
